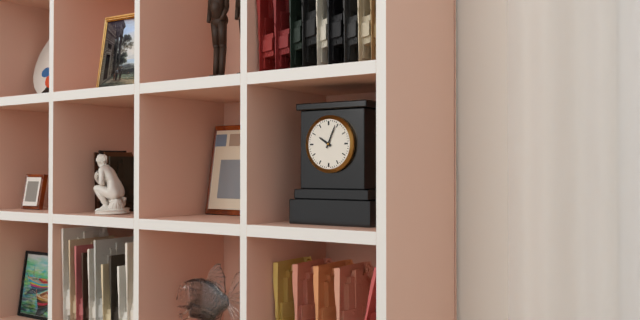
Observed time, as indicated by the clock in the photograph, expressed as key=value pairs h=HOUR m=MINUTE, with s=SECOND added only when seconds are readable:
h=10 m=4
